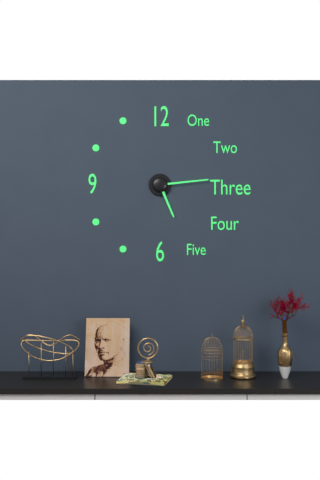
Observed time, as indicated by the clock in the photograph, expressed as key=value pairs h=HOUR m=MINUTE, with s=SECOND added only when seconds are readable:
h=5 m=14
